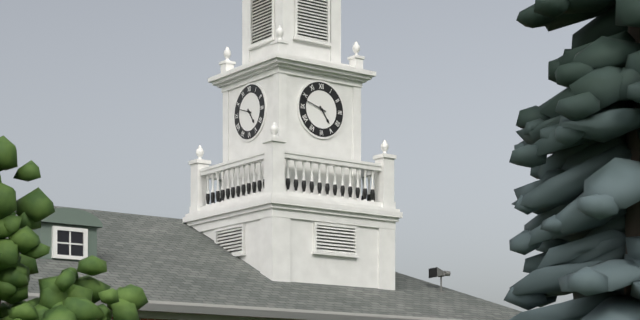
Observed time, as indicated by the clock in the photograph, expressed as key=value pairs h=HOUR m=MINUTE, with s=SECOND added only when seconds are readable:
h=4 m=48
